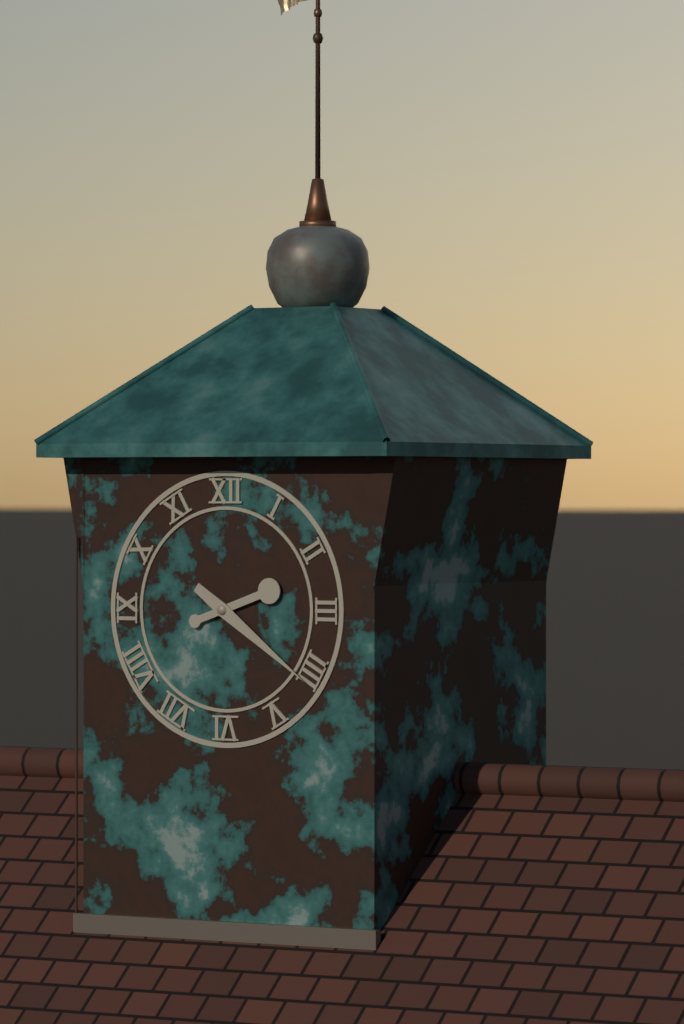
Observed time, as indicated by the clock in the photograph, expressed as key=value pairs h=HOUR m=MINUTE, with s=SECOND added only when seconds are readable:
h=2 m=21
